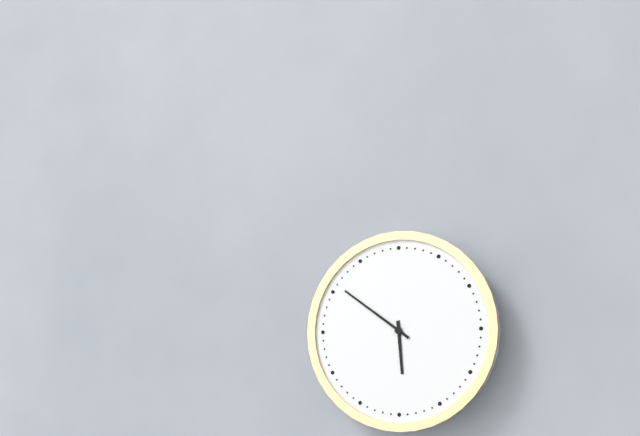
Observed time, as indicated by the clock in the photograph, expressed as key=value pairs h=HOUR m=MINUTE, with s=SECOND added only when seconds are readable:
h=5 m=51
